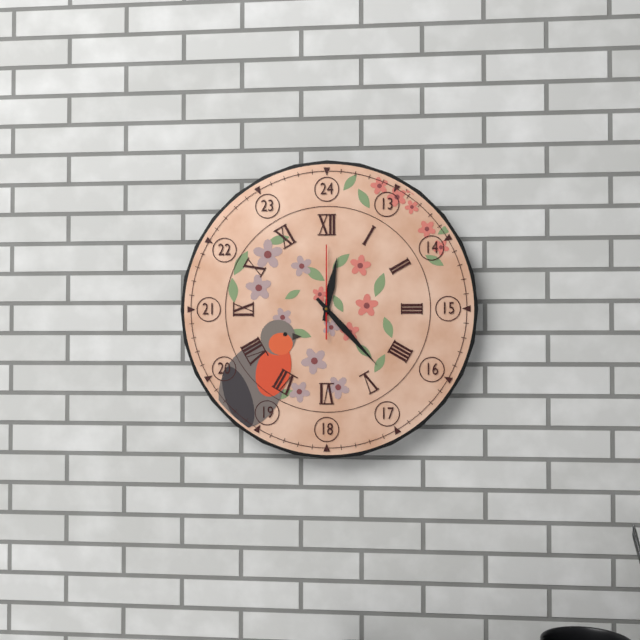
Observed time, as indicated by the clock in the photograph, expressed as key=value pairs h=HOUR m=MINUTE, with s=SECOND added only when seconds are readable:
h=12 m=23 s=0
